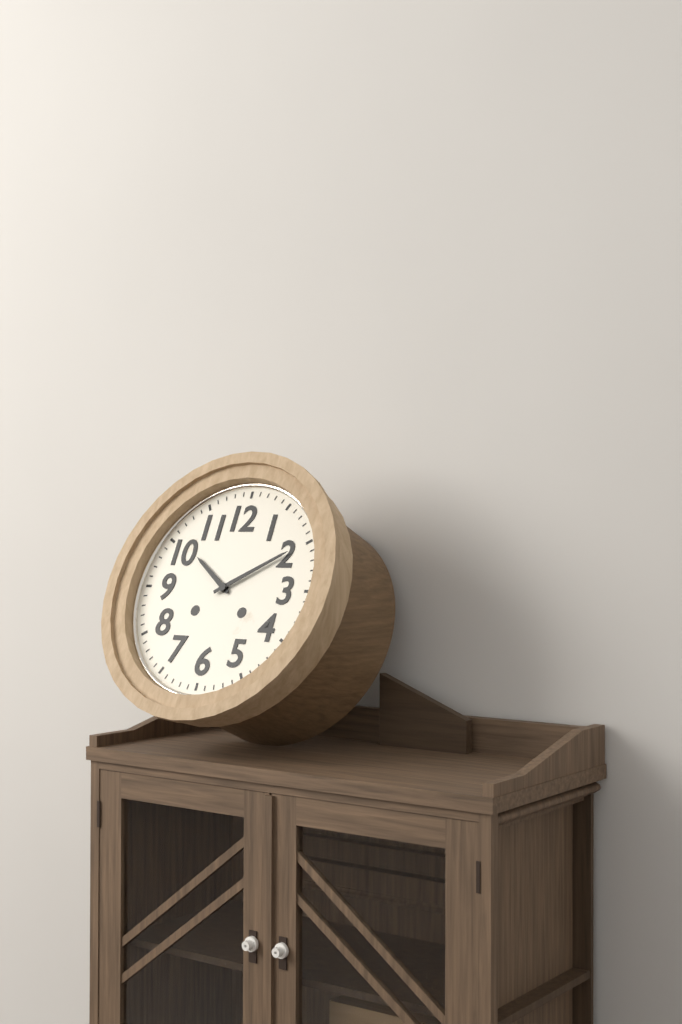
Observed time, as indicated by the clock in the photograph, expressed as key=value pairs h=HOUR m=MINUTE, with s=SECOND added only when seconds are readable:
h=10 m=10
